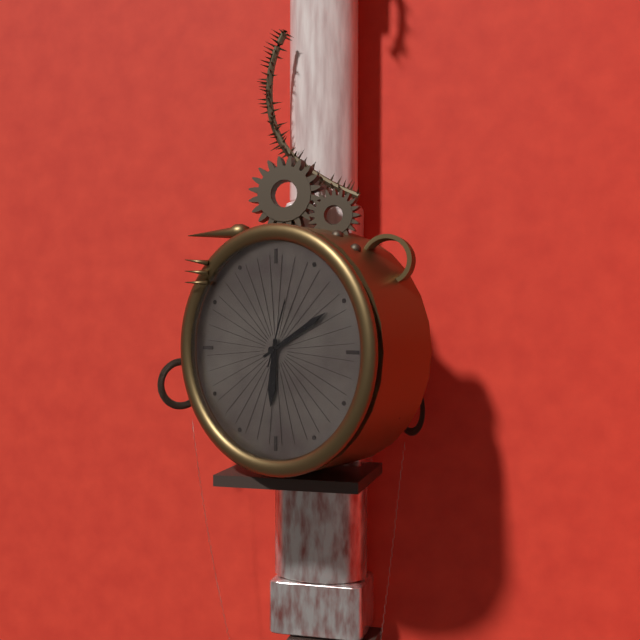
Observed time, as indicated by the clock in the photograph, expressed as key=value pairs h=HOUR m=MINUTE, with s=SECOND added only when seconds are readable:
h=6 m=10 s=3
